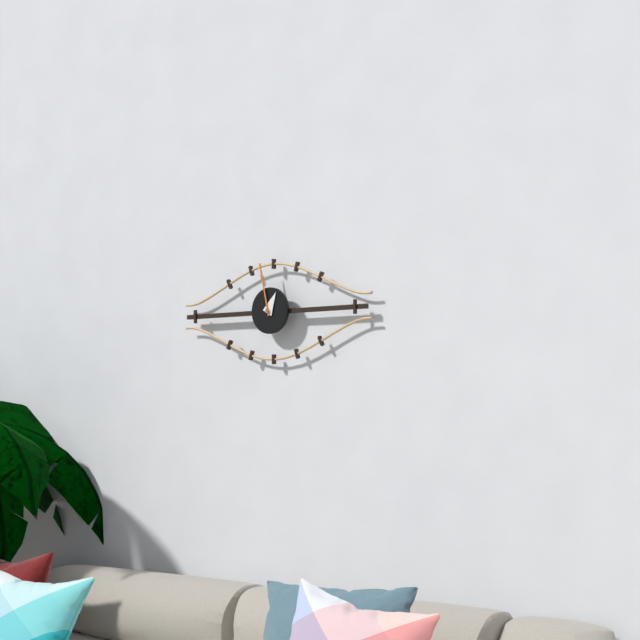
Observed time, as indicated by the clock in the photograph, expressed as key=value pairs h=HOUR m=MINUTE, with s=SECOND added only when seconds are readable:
h=12 m=58
